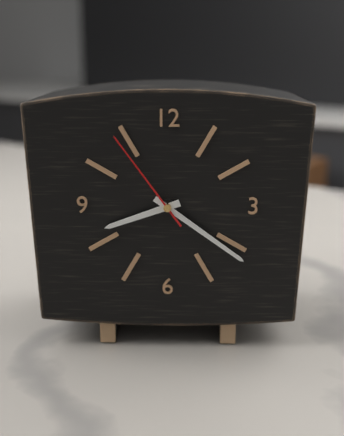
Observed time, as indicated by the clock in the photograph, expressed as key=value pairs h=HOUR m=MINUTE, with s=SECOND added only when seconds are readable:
h=8 m=21 s=54
